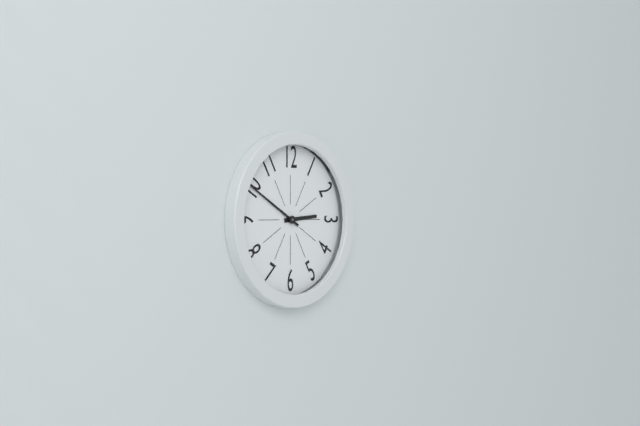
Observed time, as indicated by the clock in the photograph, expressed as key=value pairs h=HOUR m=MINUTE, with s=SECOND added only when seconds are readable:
h=2 m=50
